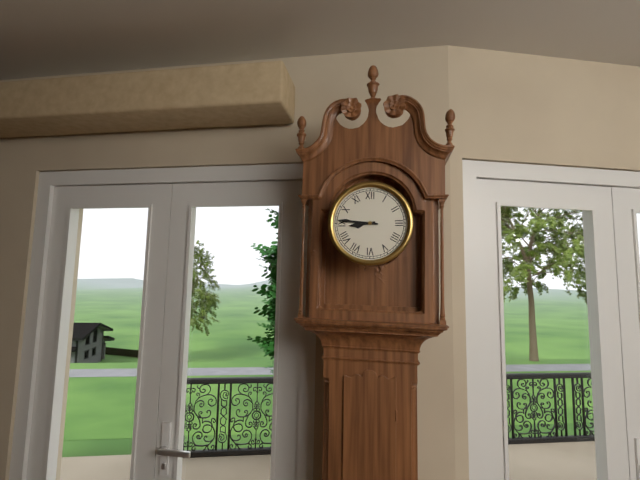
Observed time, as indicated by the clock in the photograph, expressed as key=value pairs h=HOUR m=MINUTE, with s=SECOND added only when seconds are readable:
h=8 m=46
